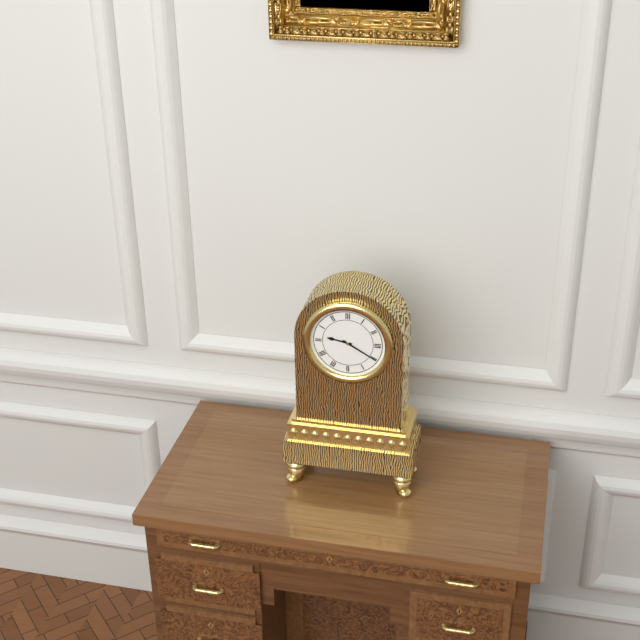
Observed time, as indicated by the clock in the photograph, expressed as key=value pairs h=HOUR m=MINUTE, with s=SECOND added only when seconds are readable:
h=9 m=20
